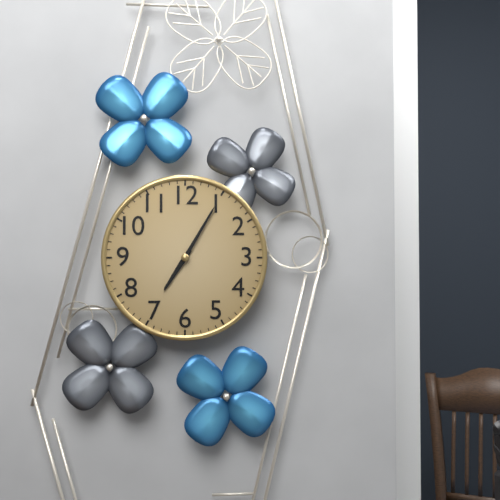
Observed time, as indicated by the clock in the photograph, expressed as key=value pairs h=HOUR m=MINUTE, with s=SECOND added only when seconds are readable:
h=7 m=5
